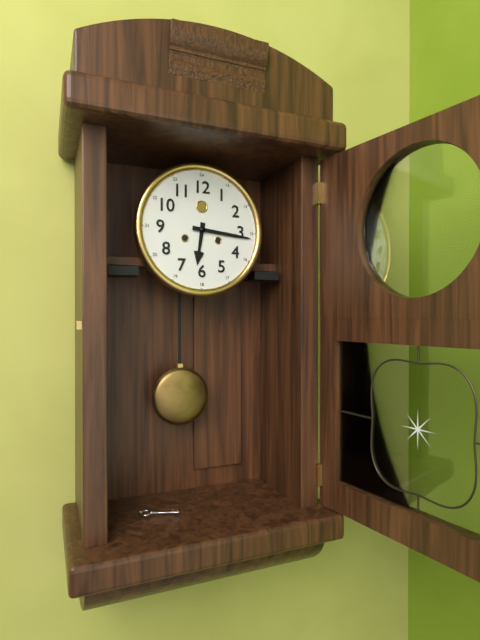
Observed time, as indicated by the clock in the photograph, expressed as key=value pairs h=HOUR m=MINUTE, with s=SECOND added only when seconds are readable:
h=6 m=16
